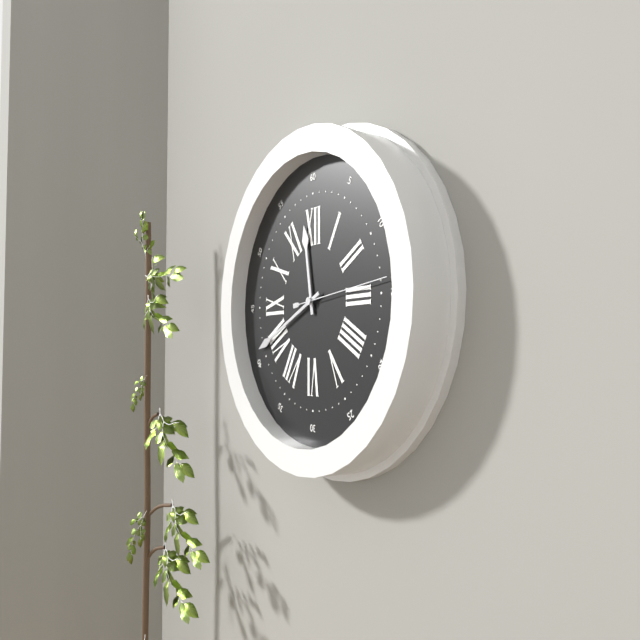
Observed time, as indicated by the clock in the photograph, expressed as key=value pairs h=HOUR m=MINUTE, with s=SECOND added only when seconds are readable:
h=11 m=41 s=14
